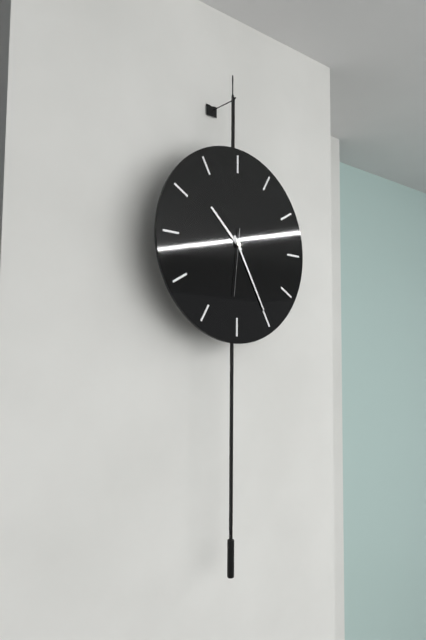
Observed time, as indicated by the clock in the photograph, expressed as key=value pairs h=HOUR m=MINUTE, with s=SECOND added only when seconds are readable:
h=10 m=25 s=31
